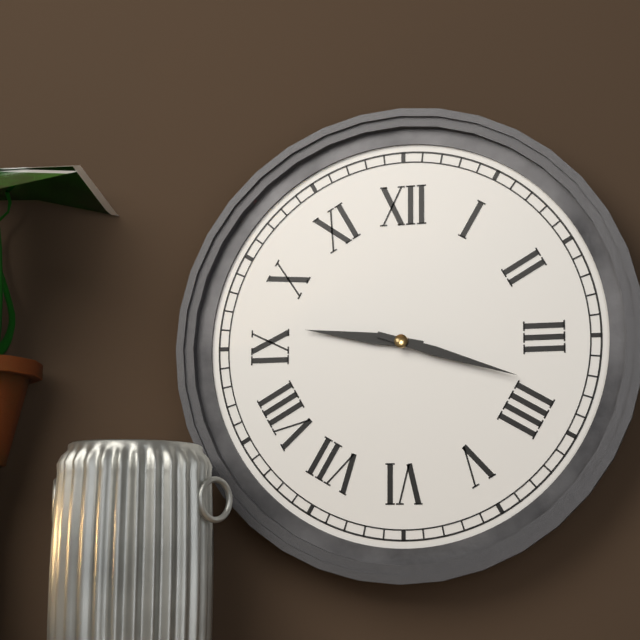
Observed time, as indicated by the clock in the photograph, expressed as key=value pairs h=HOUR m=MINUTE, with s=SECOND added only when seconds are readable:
h=9 m=18
